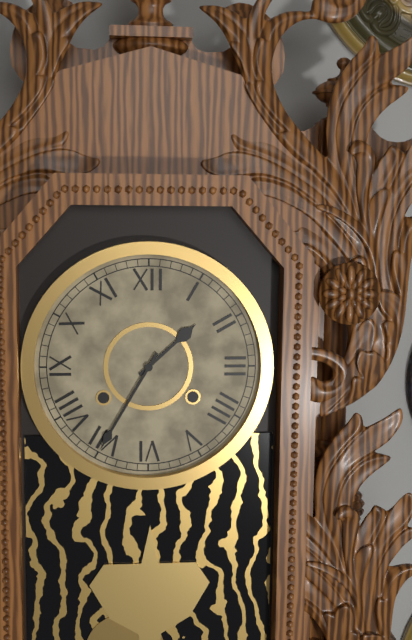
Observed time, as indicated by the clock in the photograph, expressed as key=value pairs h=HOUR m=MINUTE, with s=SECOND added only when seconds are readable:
h=1 m=35
